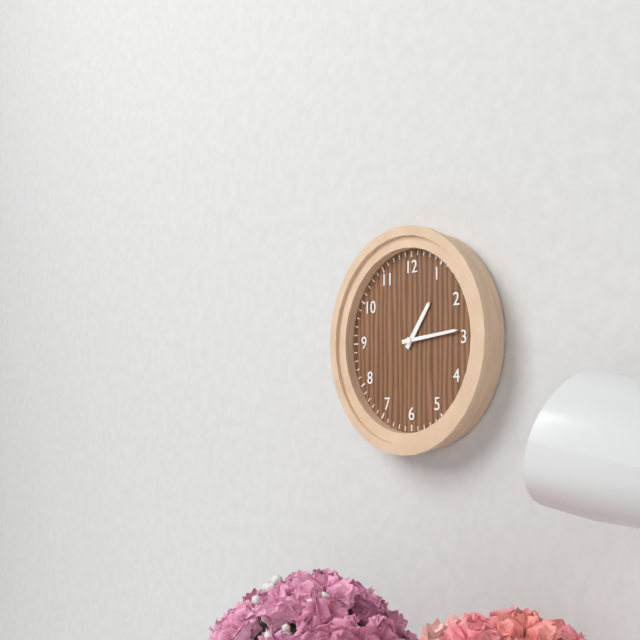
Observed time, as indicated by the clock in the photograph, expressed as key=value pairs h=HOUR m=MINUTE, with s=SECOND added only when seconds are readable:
h=1 m=14
